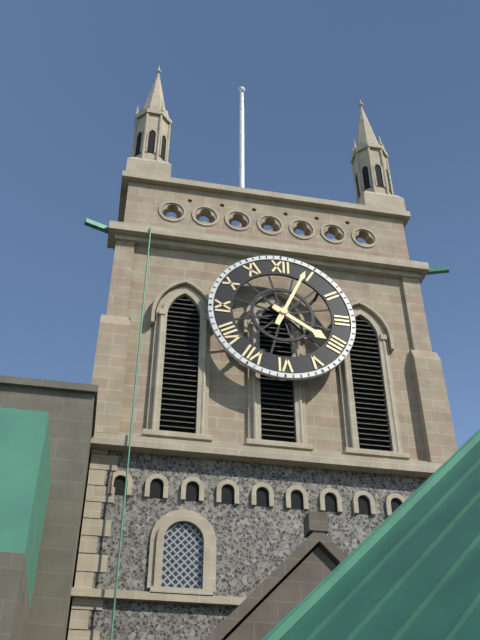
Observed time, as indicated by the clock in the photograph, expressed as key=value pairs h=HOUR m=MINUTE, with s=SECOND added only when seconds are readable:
h=4 m=4
